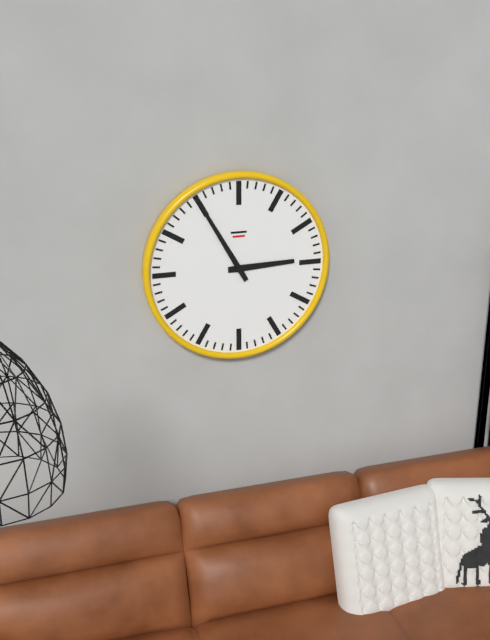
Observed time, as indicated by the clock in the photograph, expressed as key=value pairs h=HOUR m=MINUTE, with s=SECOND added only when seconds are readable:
h=2 m=55
